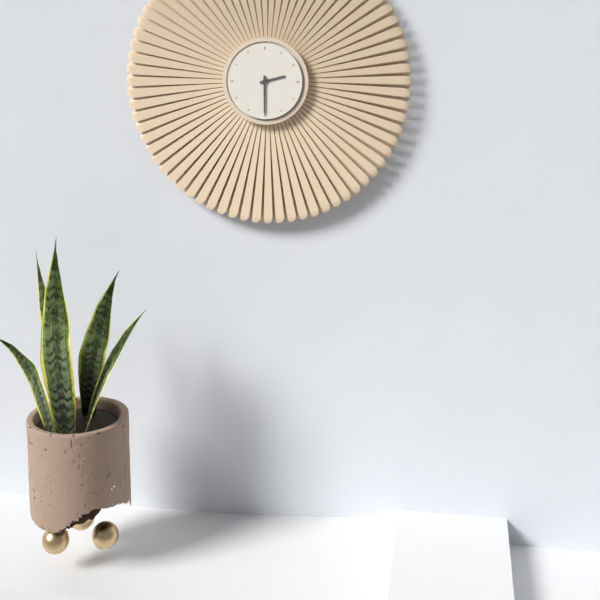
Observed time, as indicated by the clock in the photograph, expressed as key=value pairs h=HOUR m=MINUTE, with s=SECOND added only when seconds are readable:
h=2 m=30
